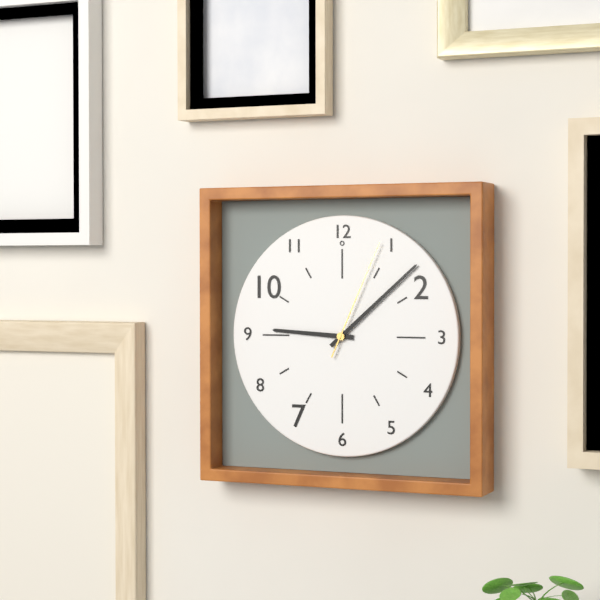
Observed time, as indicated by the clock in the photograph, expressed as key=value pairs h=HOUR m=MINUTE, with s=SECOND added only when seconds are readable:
h=9 m=8 s=4
